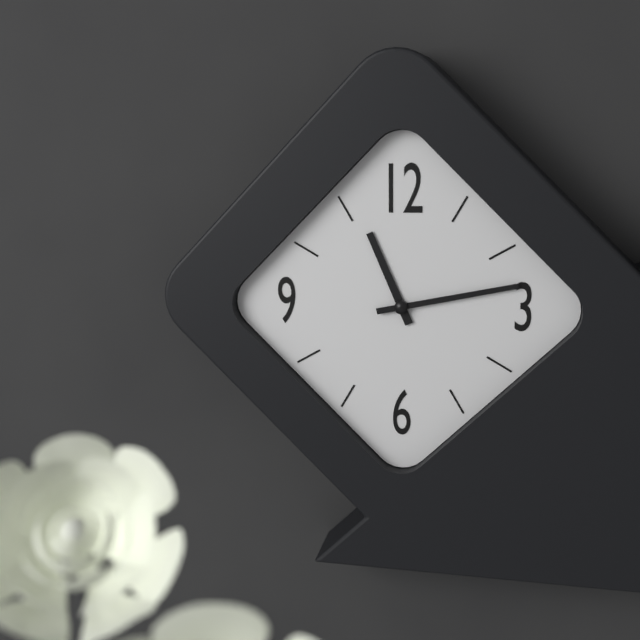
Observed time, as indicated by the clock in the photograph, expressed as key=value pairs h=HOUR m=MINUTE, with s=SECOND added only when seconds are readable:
h=11 m=13
